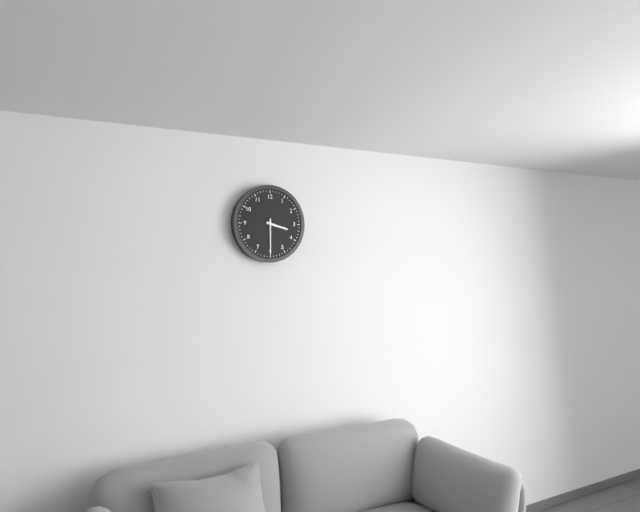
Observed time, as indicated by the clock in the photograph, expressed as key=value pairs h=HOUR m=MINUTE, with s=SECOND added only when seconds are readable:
h=3 m=30
